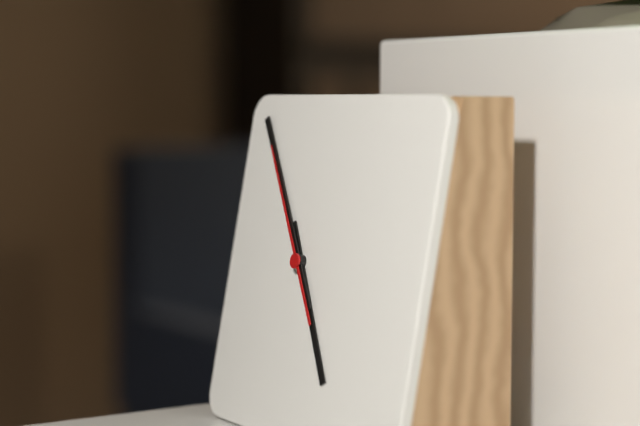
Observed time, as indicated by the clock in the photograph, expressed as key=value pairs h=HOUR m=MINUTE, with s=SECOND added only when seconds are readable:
h=4 m=54 s=54
